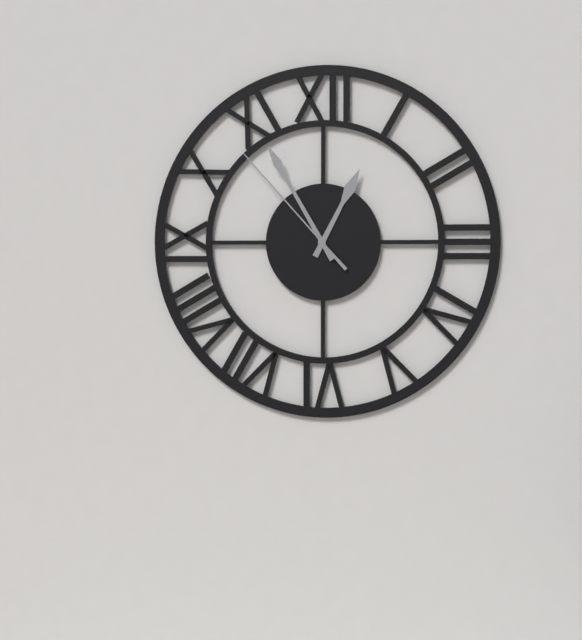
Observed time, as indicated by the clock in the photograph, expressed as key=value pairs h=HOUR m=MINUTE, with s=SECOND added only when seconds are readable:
h=12 m=55 s=53
